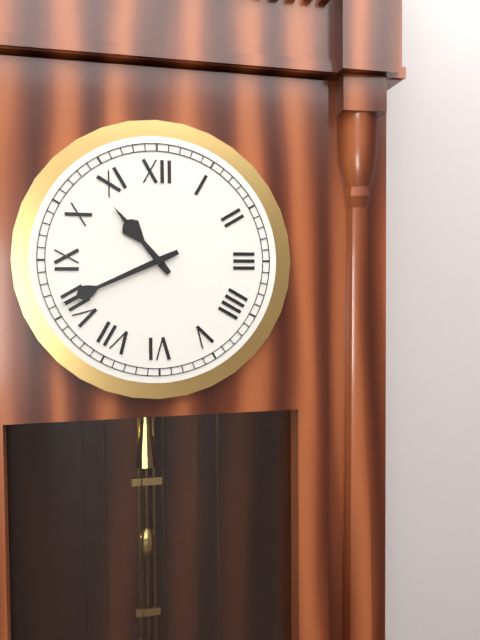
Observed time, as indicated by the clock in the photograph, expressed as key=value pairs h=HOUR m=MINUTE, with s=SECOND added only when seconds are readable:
h=10 m=41
